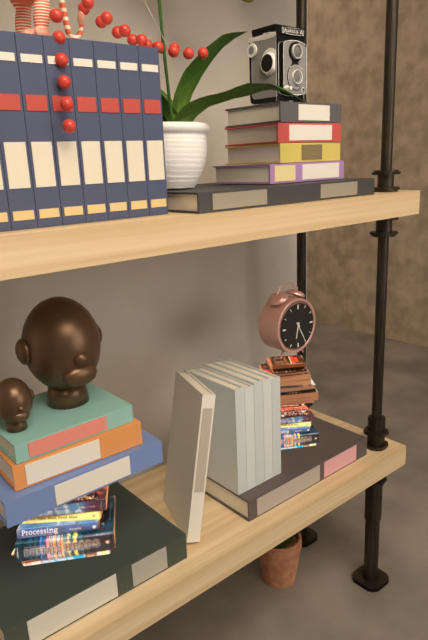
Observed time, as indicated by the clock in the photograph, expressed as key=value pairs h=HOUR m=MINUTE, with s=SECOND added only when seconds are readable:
h=6 m=25
